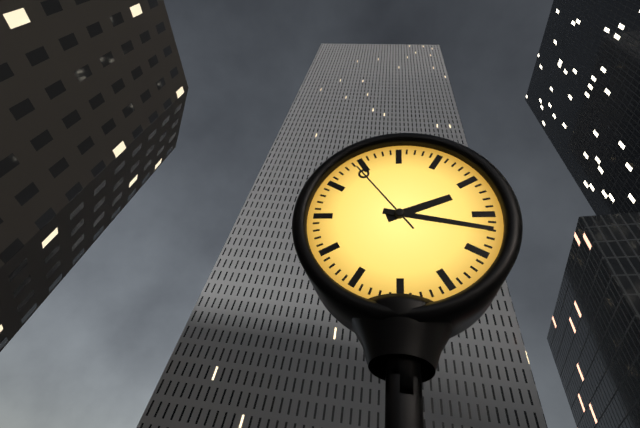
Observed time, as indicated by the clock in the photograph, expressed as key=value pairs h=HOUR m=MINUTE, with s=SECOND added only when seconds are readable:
h=2 m=17 s=54
